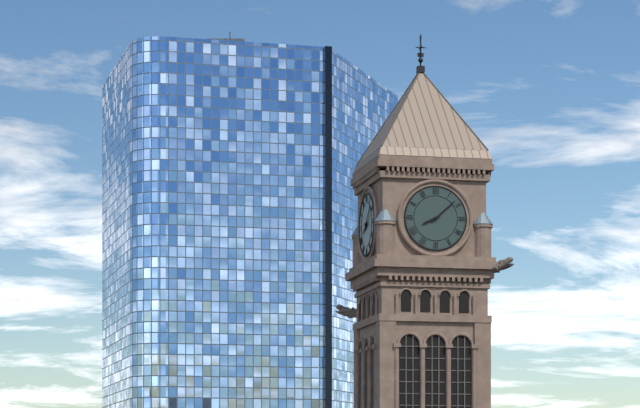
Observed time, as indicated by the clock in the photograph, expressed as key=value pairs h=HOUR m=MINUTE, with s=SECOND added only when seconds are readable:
h=8 m=8
